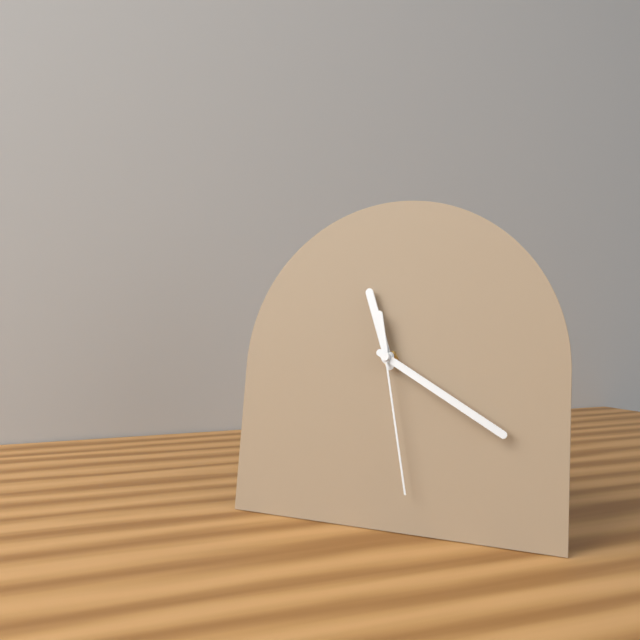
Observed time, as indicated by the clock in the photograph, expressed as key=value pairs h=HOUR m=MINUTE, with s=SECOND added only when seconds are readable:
h=11 m=20 s=28
